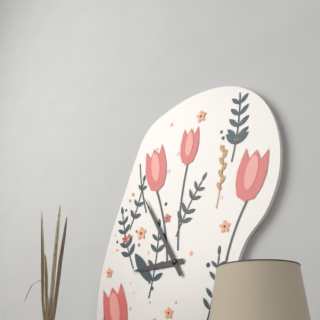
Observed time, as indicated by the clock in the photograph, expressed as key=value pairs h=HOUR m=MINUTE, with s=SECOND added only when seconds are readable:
h=8 m=55
